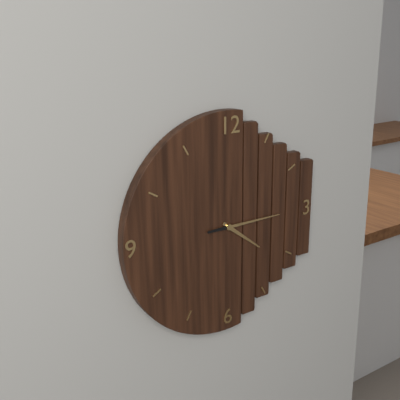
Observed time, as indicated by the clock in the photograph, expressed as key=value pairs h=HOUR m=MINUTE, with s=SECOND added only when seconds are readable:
h=4 m=15
